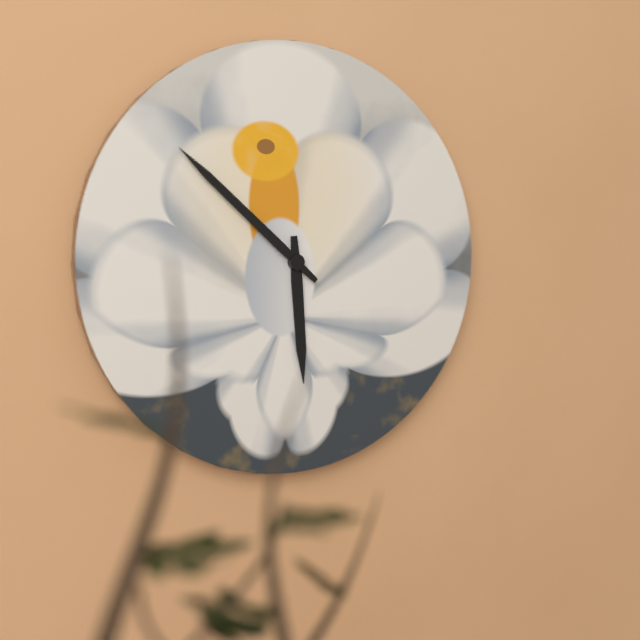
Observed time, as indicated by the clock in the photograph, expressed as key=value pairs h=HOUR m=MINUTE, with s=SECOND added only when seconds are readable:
h=5 m=52
